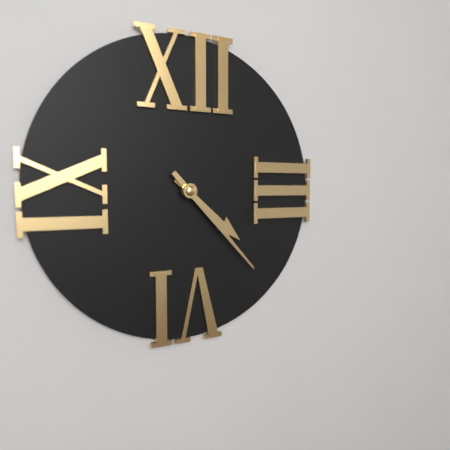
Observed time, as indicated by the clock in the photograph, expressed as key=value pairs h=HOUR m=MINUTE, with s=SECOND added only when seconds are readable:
h=4 m=23
